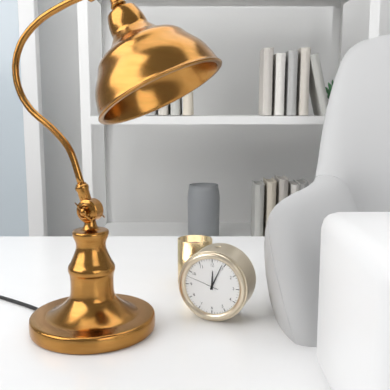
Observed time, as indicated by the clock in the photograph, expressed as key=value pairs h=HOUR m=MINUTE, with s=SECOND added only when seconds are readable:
h=12 m=4
